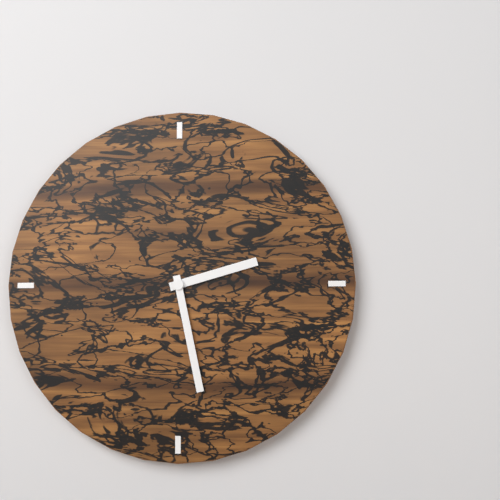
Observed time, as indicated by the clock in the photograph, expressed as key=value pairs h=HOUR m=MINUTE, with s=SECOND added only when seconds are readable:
h=2 m=28
